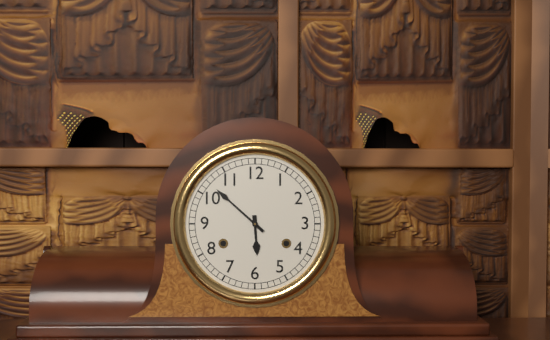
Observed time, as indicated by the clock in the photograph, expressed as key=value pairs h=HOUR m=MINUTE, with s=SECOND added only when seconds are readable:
h=5 m=52
